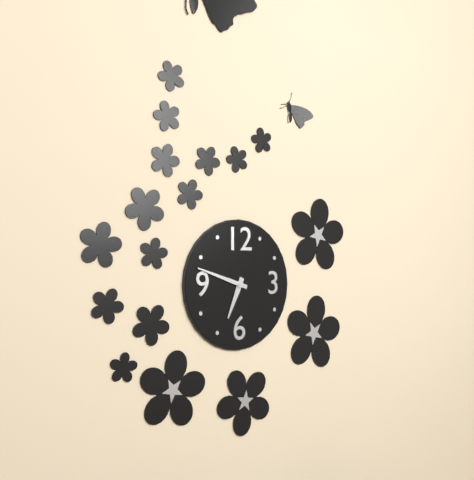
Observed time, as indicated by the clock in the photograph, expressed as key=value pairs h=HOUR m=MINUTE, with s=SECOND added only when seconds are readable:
h=6 m=48
